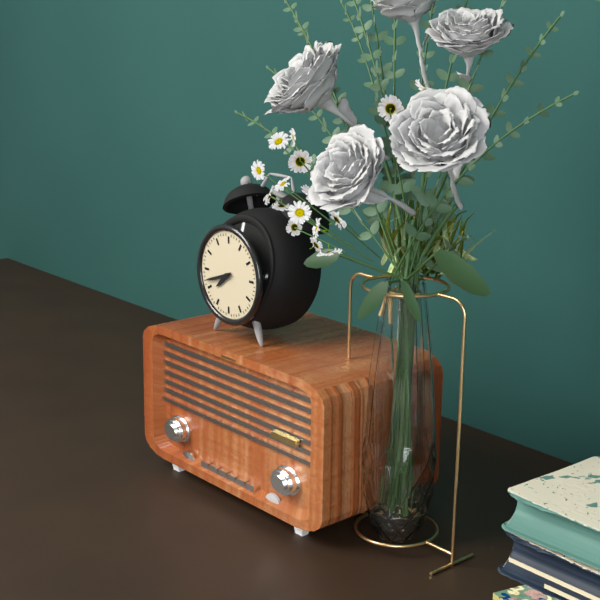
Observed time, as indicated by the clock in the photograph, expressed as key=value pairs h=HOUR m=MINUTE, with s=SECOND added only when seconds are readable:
h=7 m=42
